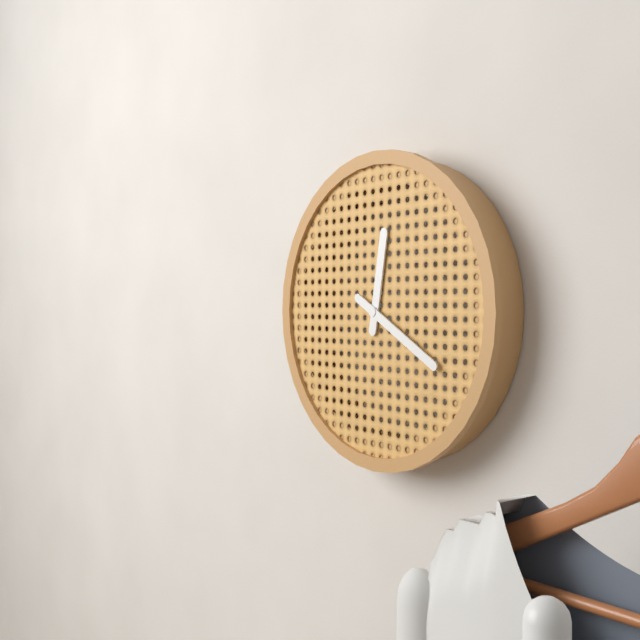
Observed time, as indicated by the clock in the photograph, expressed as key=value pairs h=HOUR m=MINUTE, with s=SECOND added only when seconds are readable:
h=12 m=20
